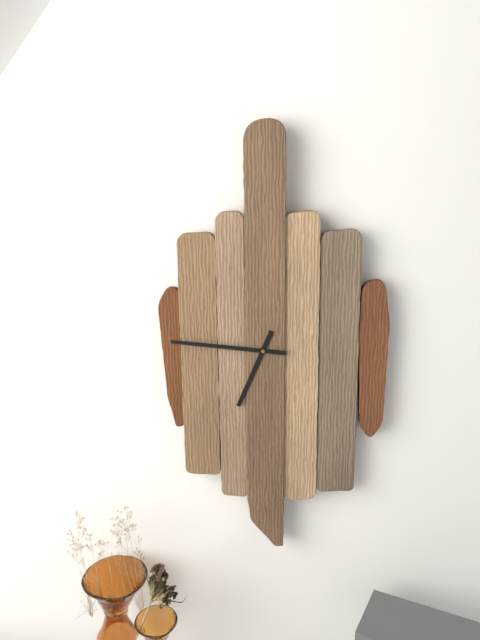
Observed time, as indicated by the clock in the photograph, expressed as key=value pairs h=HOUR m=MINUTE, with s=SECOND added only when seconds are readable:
h=6 m=46
